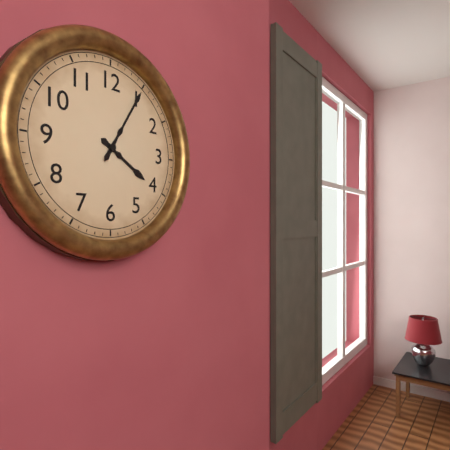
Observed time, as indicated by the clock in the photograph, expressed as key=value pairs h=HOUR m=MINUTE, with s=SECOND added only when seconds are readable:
h=4 m=5
